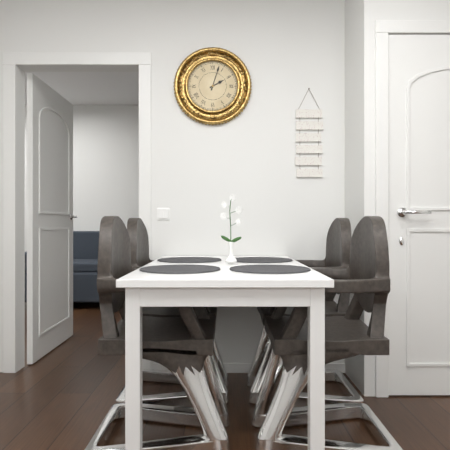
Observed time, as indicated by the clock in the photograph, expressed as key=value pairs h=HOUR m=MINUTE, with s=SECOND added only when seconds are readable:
h=2 m=3
